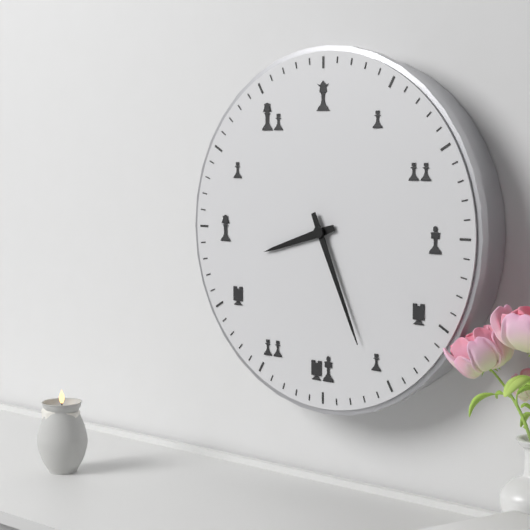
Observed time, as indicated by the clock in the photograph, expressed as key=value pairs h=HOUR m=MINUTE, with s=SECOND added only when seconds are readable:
h=8 m=26
